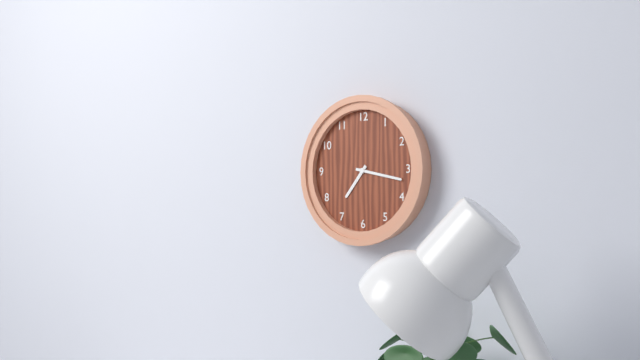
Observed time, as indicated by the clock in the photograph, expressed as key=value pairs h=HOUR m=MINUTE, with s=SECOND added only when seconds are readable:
h=7 m=17
